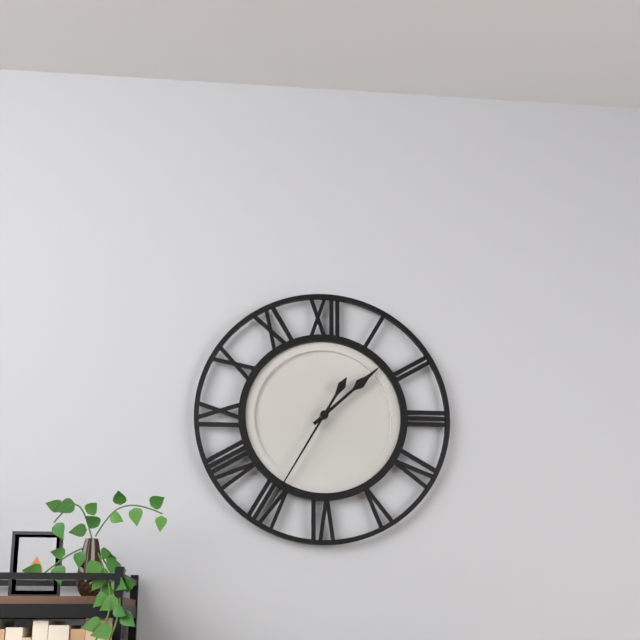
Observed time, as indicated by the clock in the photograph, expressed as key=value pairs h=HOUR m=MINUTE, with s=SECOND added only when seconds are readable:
h=1 m=35
